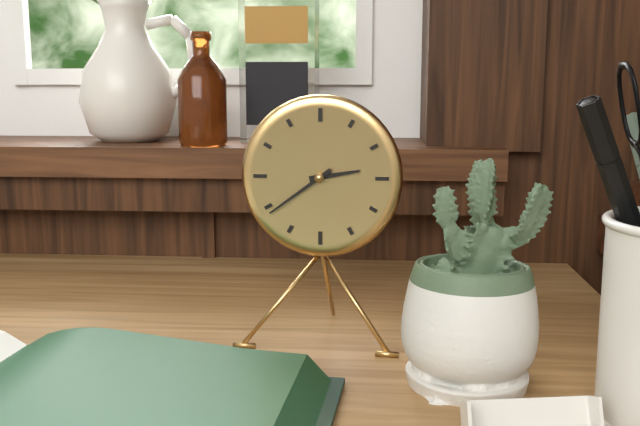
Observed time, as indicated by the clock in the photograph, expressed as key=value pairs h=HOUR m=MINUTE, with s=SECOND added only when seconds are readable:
h=2 m=39
